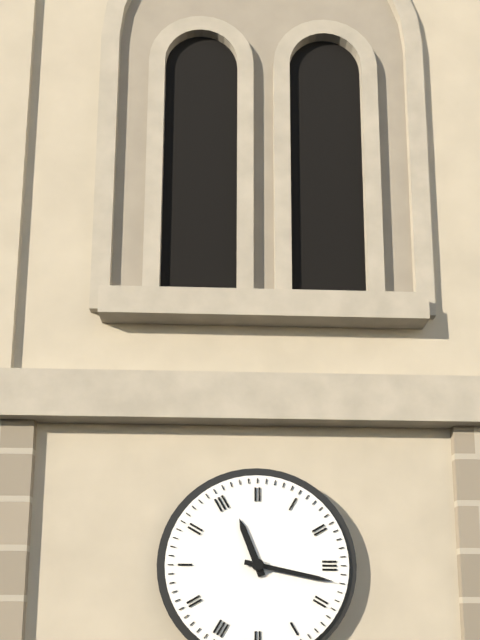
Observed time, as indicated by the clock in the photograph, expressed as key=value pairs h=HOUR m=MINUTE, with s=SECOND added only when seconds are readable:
h=11 m=17
